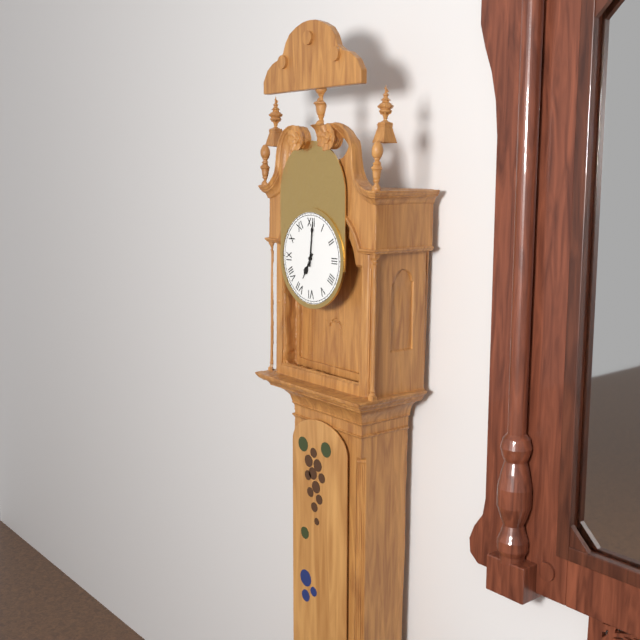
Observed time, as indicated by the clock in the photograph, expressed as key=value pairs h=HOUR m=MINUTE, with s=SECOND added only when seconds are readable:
h=7 m=1
